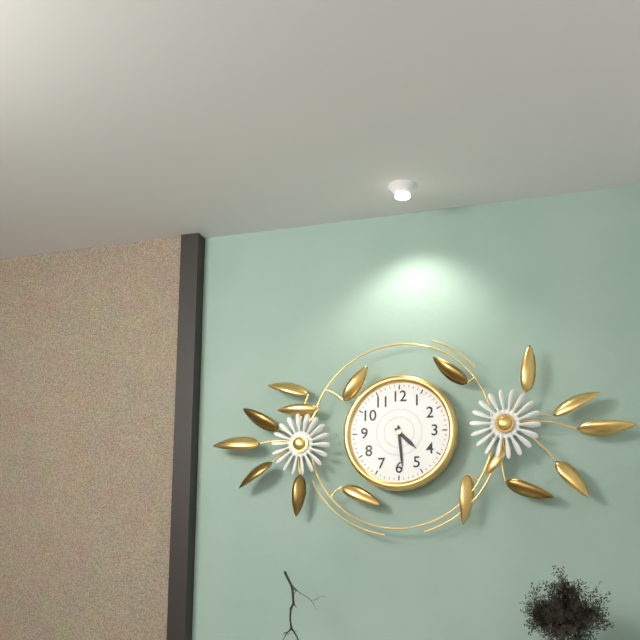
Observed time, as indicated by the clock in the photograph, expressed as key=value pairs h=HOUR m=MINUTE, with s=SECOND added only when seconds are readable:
h=4 m=29
